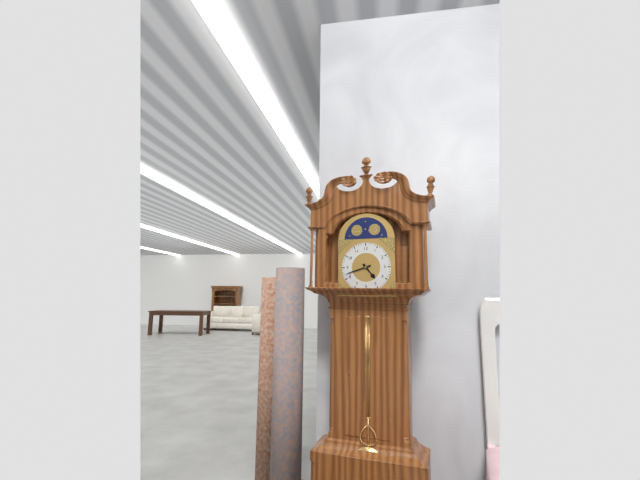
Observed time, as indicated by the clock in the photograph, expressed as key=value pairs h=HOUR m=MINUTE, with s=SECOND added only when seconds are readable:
h=4 m=42
